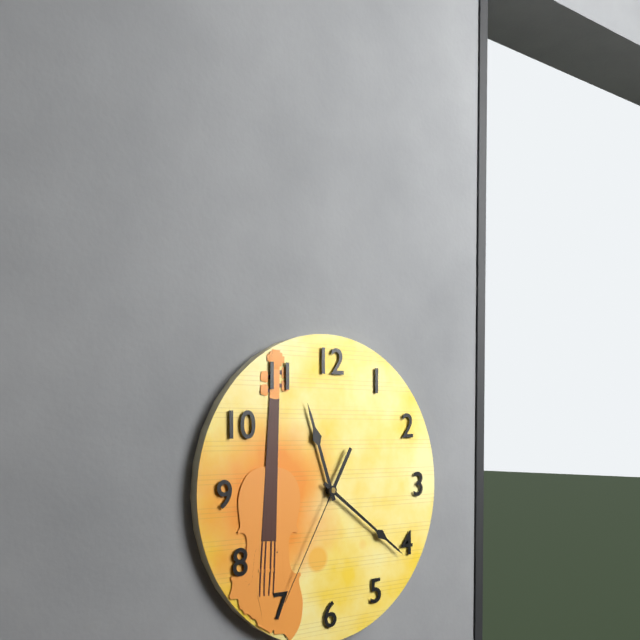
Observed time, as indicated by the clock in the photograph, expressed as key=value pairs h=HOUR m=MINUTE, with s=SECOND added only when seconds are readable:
h=11 m=21 s=35
